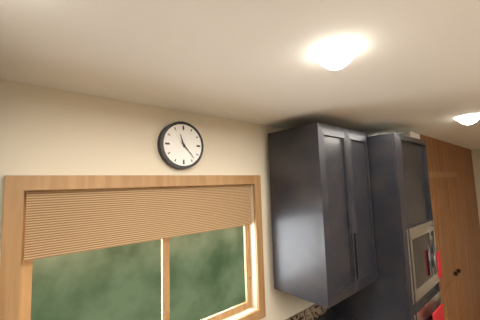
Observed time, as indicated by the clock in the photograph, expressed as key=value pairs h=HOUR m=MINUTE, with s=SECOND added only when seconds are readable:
h=11 m=23
